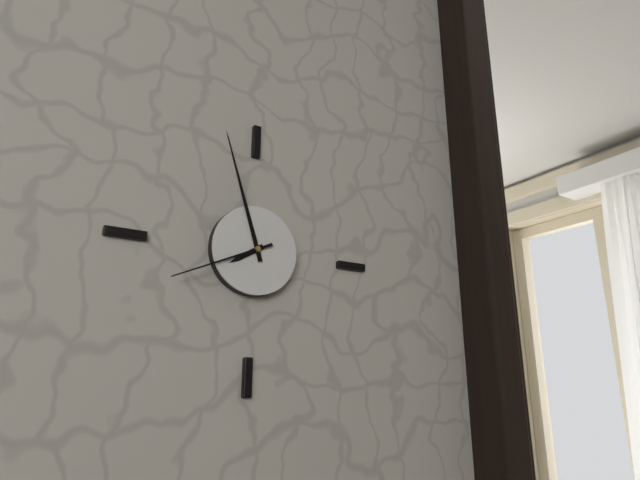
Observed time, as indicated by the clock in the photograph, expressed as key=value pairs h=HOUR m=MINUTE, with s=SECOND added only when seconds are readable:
h=7 m=57 s=41
